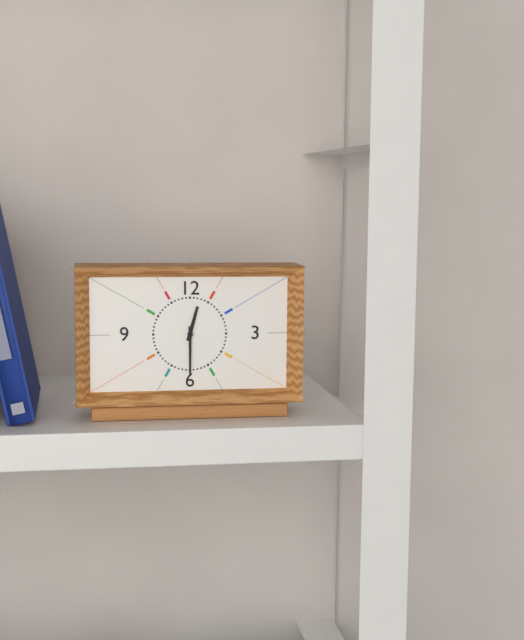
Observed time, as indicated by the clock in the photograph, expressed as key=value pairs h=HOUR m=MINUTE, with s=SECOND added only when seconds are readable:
h=12 m=30
